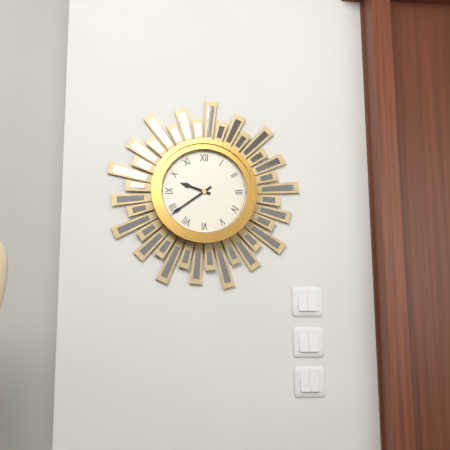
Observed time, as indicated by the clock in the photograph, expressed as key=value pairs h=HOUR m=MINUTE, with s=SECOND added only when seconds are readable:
h=9 m=39
